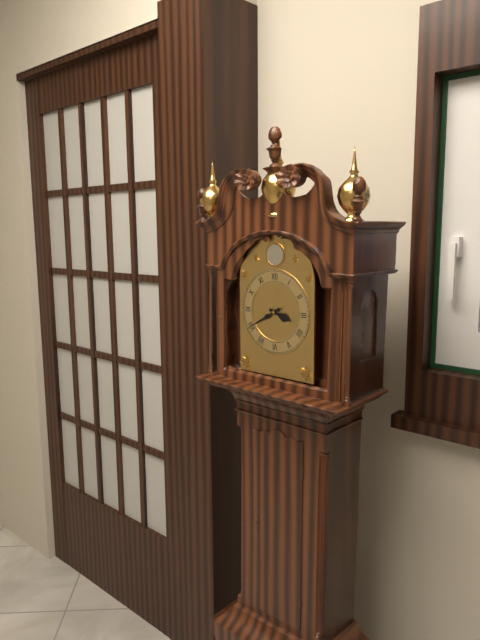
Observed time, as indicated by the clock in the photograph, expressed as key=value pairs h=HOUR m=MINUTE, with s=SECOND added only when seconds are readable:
h=3 m=40
